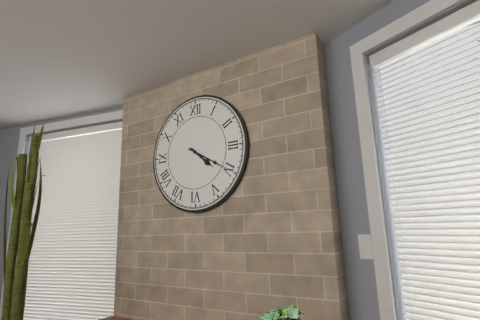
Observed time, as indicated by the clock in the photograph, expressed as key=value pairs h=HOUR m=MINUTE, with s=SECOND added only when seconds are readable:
h=4 m=20
